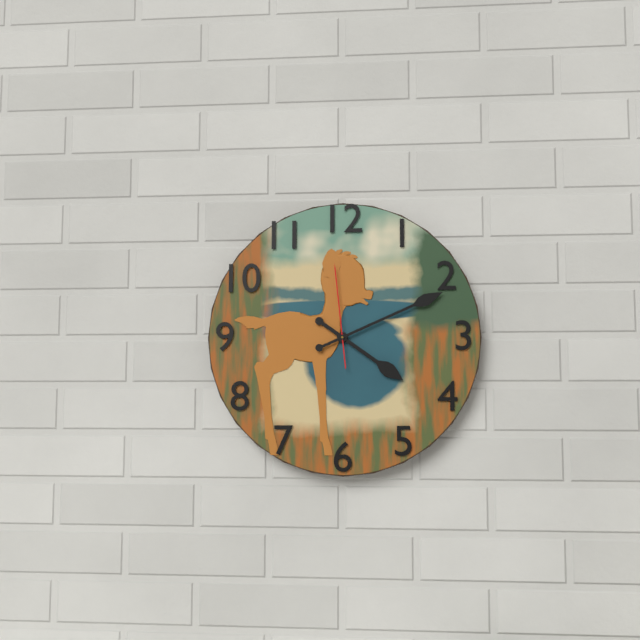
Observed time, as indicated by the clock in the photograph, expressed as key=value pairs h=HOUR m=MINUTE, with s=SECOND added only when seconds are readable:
h=4 m=11 s=59
